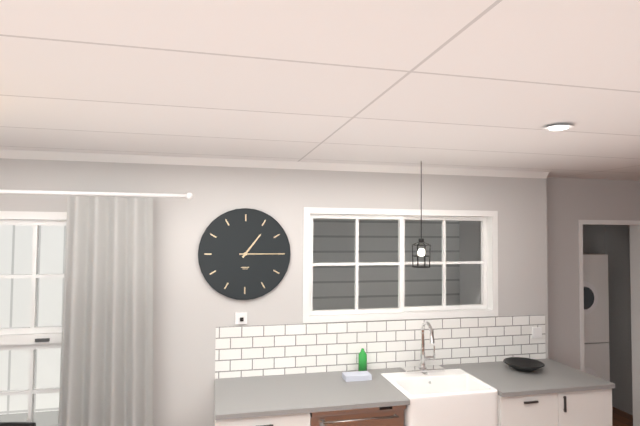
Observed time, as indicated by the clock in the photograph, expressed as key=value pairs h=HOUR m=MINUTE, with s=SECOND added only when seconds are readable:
h=1 m=15
